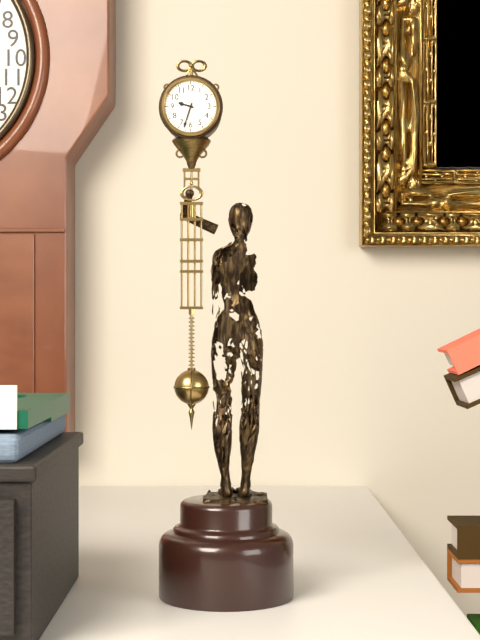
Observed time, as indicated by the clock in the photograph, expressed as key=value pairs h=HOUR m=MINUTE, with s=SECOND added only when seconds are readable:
h=9 m=33
